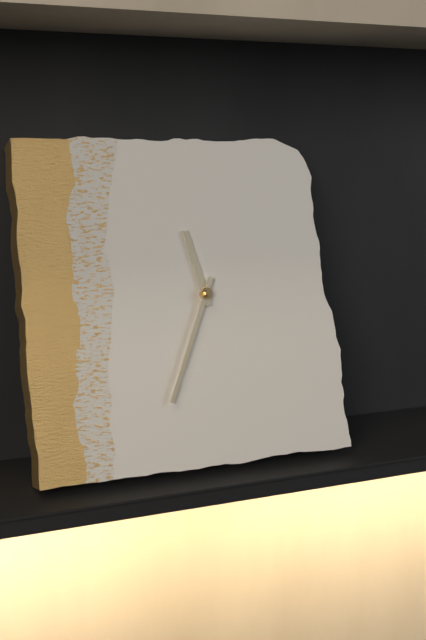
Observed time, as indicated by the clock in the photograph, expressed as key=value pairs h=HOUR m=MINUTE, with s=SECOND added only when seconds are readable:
h=11 m=34
